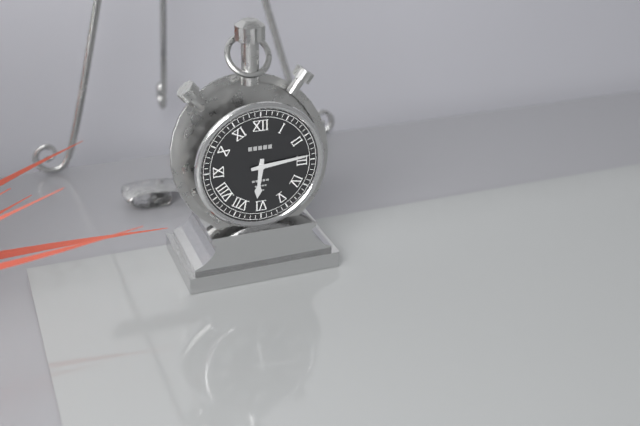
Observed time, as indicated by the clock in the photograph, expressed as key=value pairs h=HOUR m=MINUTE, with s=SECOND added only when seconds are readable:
h=6 m=14
